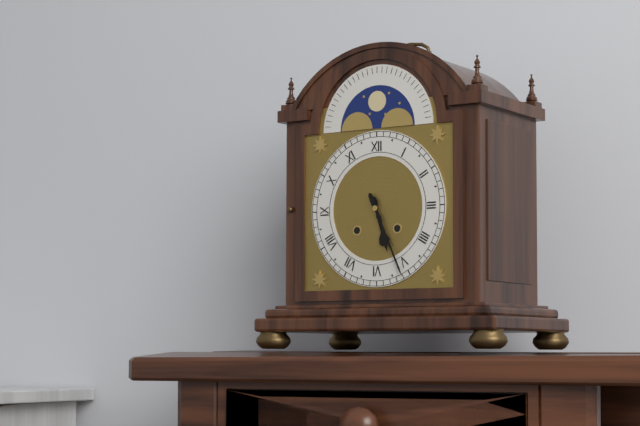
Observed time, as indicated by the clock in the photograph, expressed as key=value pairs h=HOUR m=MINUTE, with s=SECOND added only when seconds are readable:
h=5 m=26
